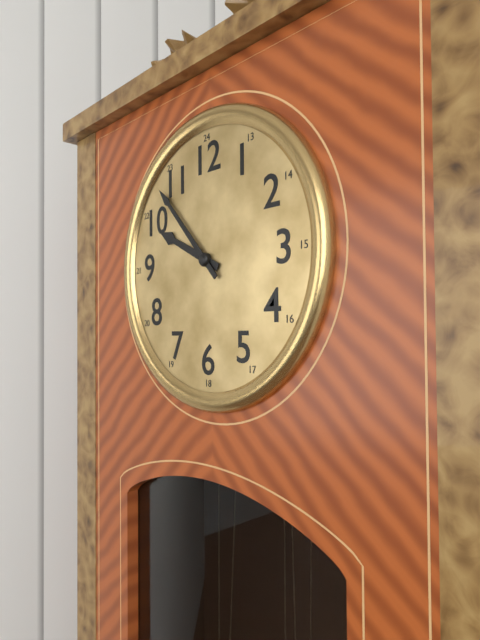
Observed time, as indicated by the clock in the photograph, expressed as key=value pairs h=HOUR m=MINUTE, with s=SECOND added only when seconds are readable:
h=9 m=53
